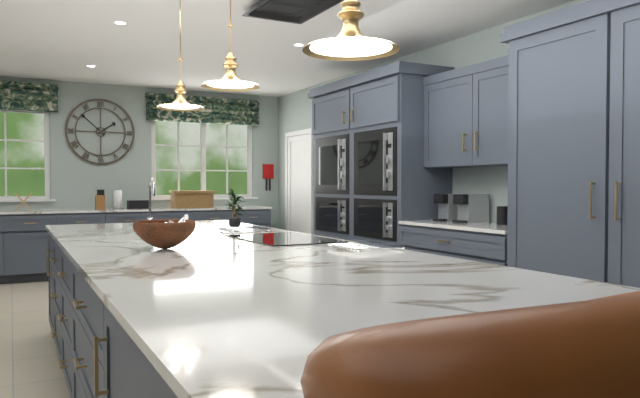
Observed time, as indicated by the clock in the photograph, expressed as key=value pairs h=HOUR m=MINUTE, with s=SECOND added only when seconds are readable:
h=1 m=52
